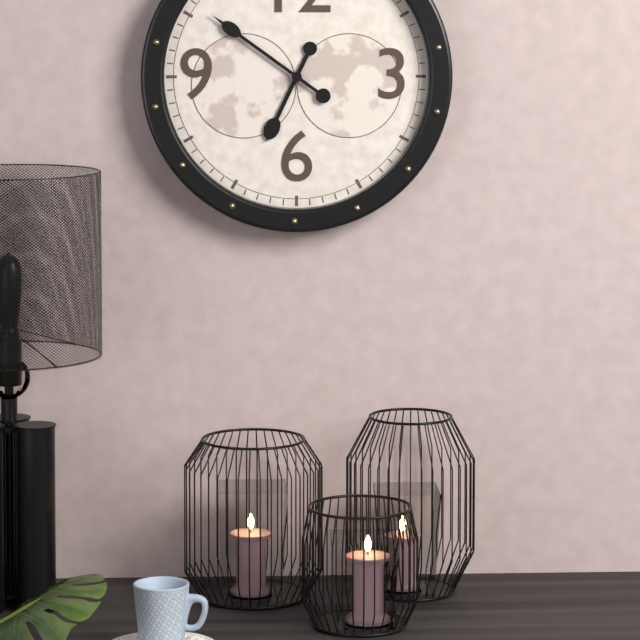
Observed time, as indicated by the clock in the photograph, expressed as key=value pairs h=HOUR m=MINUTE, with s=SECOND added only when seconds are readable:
h=6 m=51
